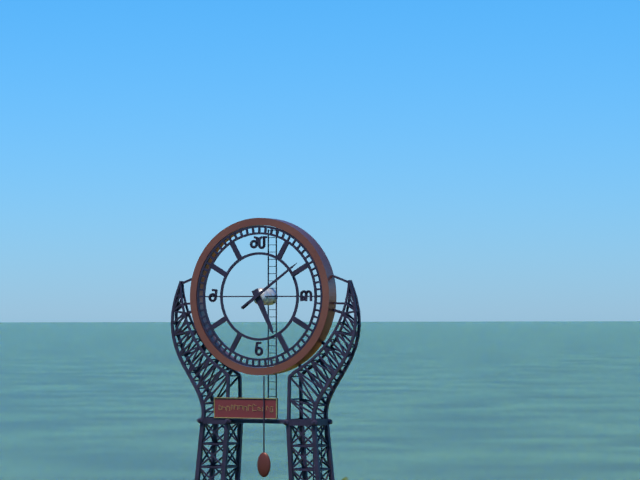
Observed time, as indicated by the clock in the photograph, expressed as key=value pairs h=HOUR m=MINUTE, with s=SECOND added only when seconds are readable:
h=5 m=9
